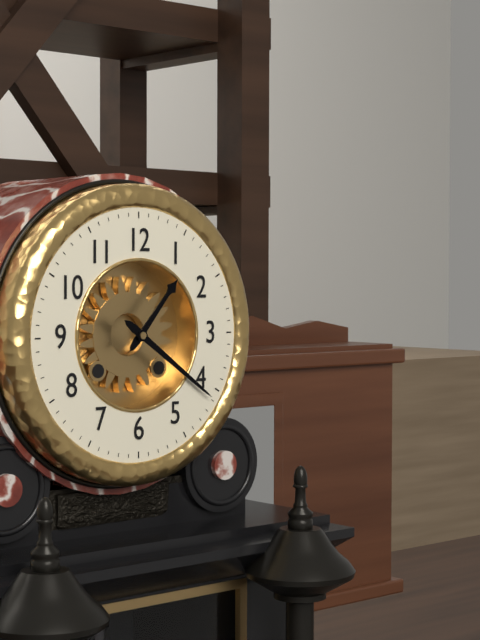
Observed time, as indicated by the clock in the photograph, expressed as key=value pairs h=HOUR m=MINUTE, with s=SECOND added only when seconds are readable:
h=1 m=21
